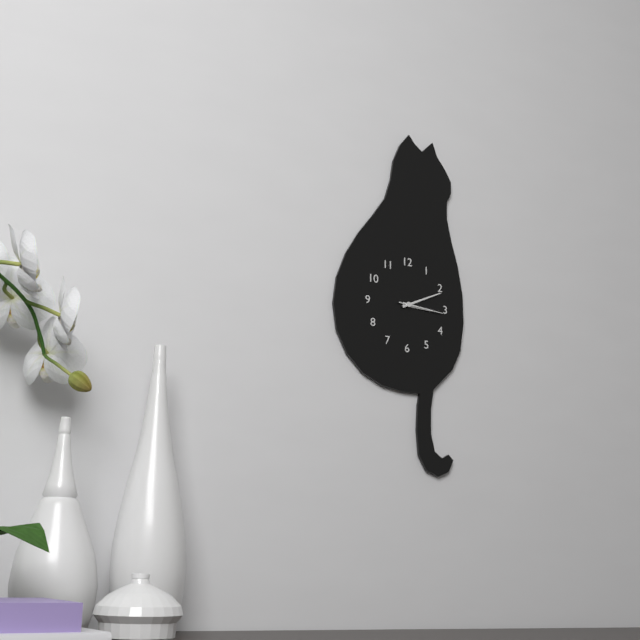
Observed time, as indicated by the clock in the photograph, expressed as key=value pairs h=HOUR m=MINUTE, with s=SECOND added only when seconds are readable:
h=3 m=11
